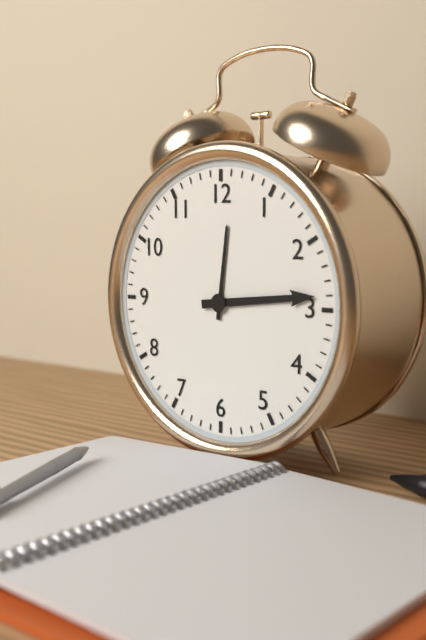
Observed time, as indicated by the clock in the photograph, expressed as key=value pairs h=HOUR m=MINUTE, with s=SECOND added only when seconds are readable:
h=12 m=14
